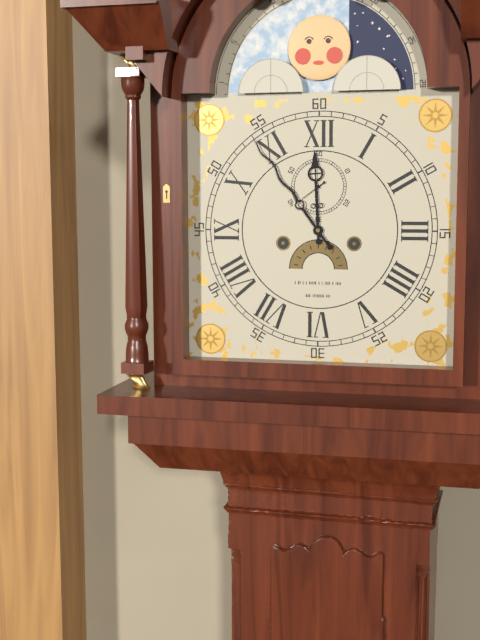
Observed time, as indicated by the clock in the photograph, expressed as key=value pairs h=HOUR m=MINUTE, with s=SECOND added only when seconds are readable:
h=11 m=54
